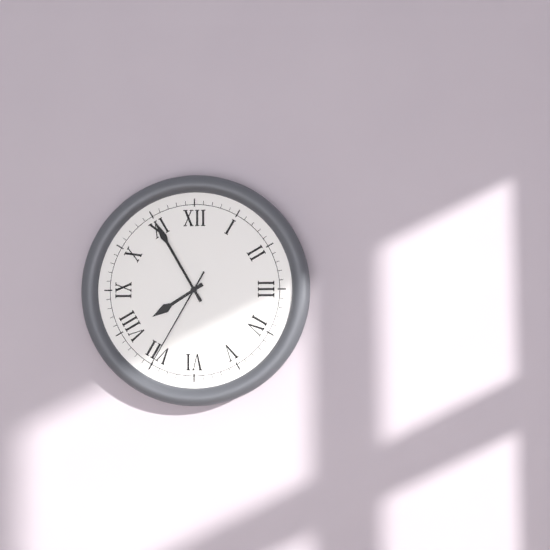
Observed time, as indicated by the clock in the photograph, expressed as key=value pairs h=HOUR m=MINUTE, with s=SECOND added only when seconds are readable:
h=7 m=55 s=35
